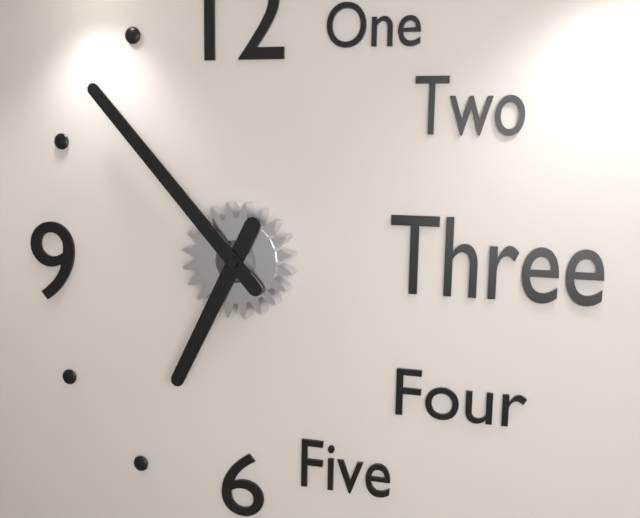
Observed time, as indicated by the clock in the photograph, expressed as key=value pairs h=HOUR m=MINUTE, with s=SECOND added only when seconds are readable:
h=6 m=53
